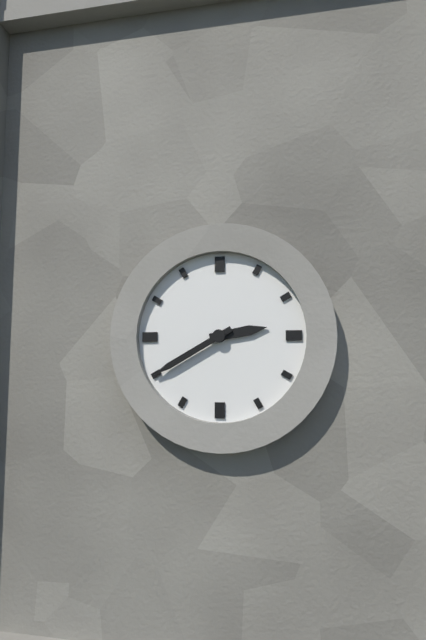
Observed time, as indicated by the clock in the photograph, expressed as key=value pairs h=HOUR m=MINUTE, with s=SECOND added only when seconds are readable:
h=2 m=40
